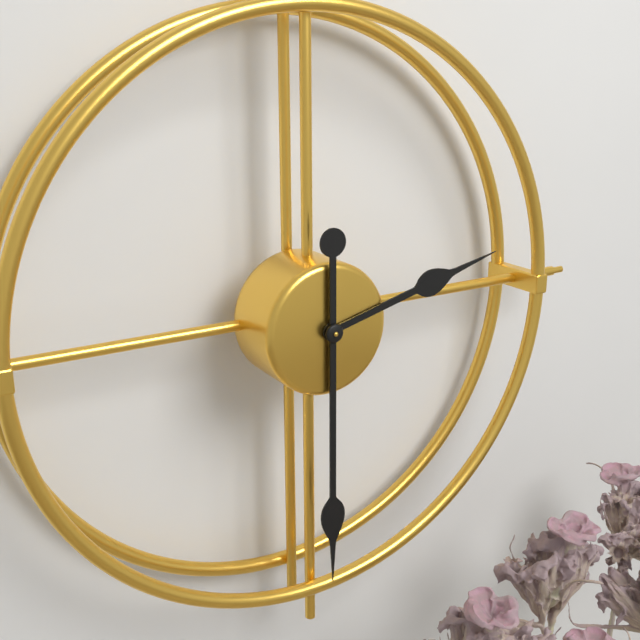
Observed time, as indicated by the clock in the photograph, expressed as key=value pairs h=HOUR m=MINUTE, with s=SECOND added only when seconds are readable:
h=2 m=30
